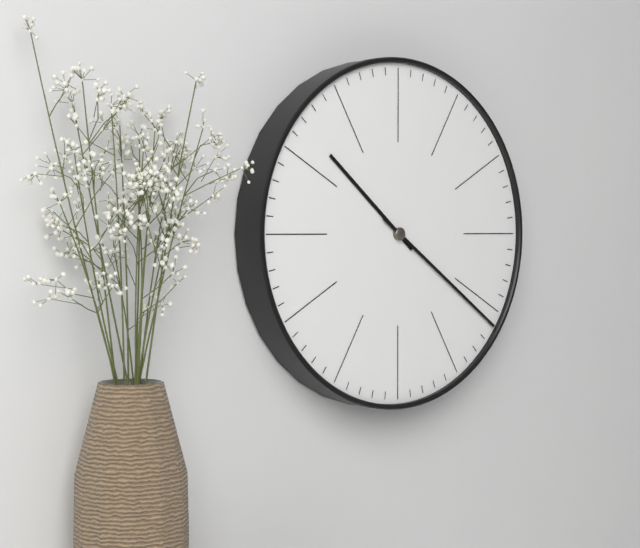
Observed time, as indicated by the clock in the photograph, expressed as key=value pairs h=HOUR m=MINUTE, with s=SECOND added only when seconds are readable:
h=10 m=21
